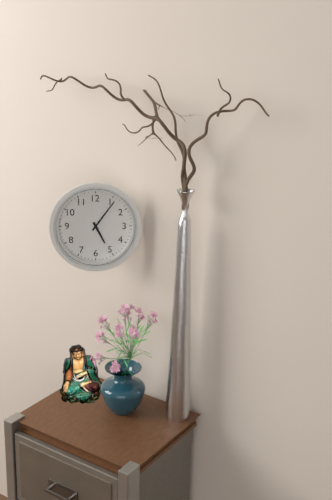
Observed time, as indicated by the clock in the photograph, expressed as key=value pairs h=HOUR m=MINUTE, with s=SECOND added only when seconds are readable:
h=5 m=6
